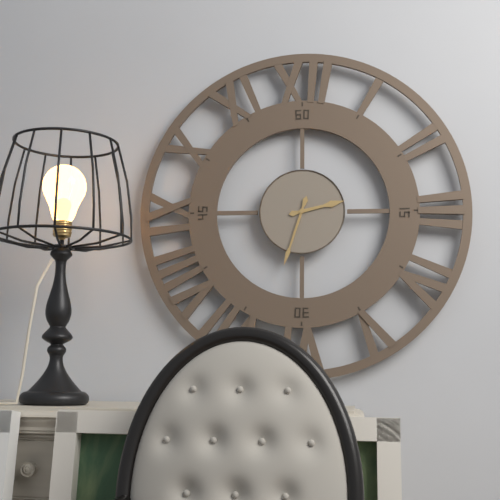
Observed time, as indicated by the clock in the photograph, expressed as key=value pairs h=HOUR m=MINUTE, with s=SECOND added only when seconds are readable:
h=2 m=33
